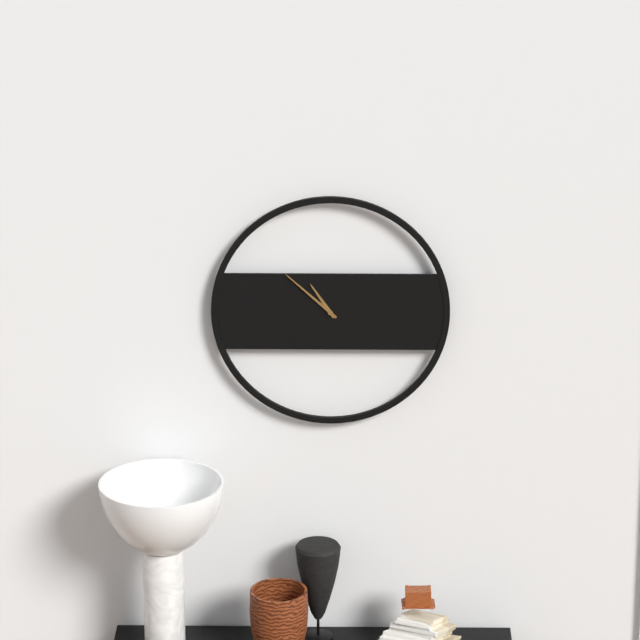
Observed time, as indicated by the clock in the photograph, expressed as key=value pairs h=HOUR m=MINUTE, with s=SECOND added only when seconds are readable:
h=10 m=52
